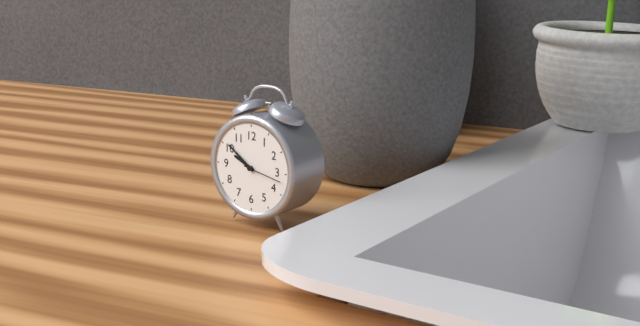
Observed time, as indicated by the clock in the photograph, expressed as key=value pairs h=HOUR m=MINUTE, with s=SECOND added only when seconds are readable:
h=9 m=51
